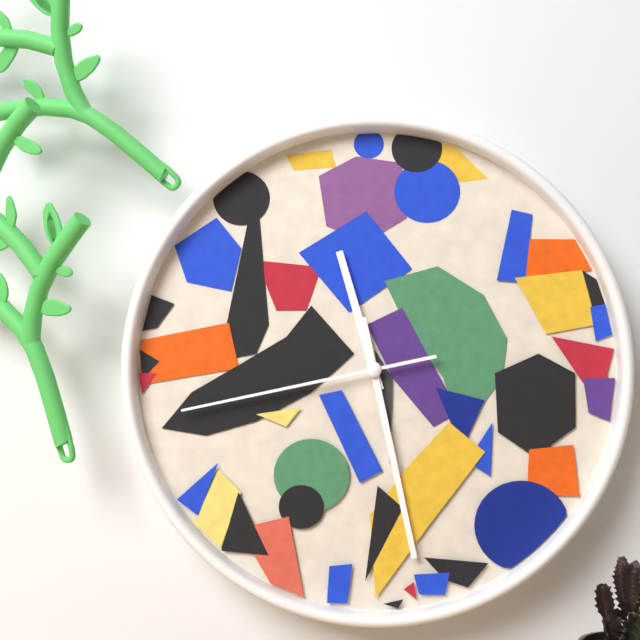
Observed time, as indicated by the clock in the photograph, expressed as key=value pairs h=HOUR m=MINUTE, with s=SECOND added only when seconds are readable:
h=11 m=28 s=43
